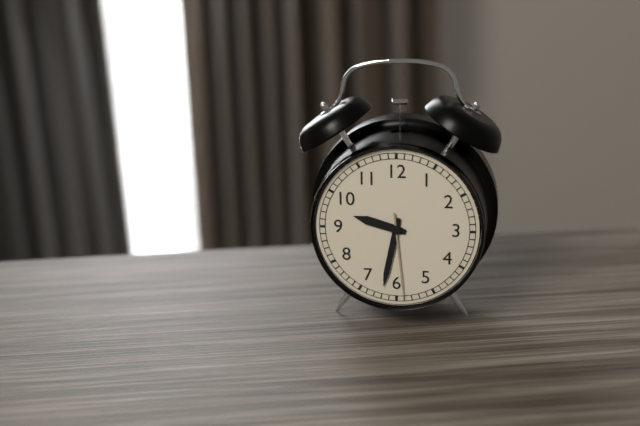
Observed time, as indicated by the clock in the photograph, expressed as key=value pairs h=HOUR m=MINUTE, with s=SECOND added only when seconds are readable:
h=9 m=32 s=29
